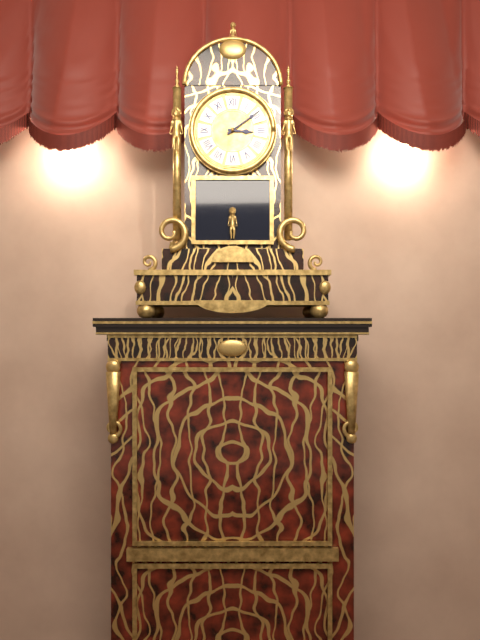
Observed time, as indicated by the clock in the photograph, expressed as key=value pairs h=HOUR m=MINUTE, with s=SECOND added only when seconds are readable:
h=3 m=9
